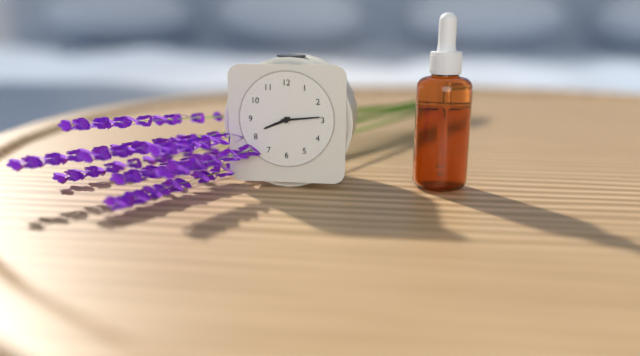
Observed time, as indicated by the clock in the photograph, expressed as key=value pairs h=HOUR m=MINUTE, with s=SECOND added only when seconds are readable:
h=8 m=14
